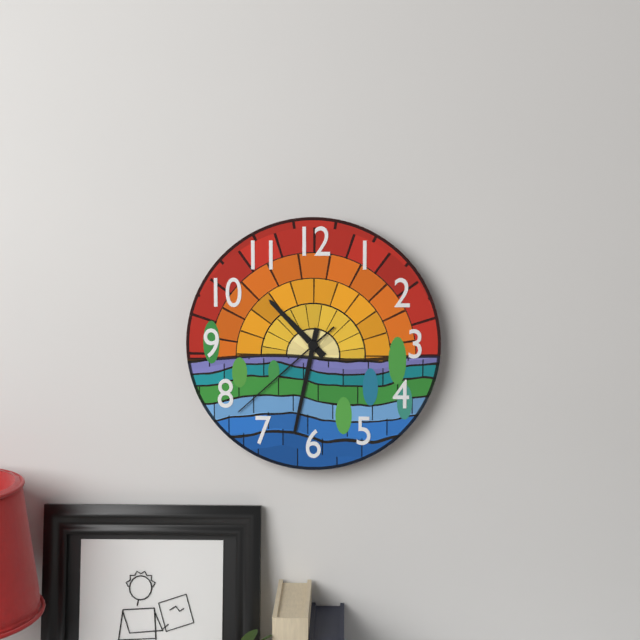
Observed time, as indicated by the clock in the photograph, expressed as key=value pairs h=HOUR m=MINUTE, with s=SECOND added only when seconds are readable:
h=10 m=32 s=38
